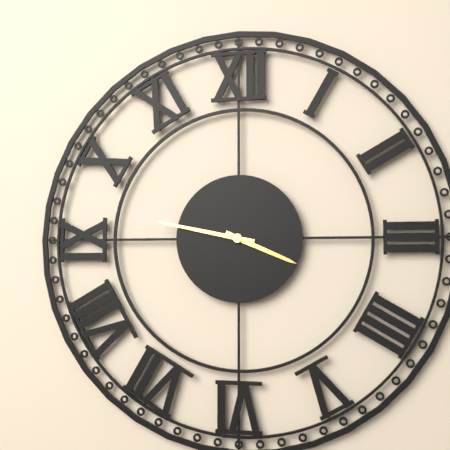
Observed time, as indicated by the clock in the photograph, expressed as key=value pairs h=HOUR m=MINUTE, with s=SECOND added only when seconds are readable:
h=3 m=47
